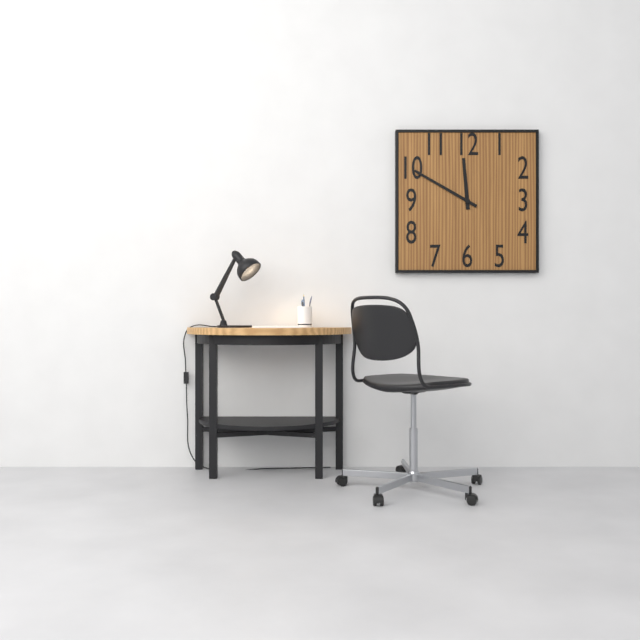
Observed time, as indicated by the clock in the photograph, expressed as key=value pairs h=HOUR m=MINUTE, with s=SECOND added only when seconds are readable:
h=11 m=50
